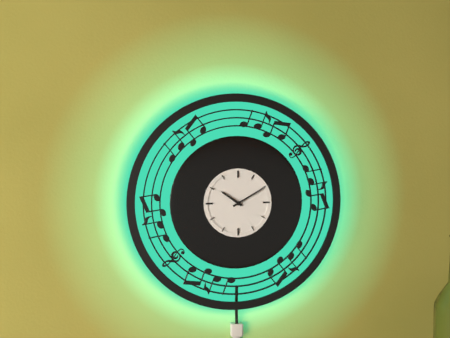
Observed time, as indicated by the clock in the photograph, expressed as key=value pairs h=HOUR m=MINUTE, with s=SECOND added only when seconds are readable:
h=10 m=10
